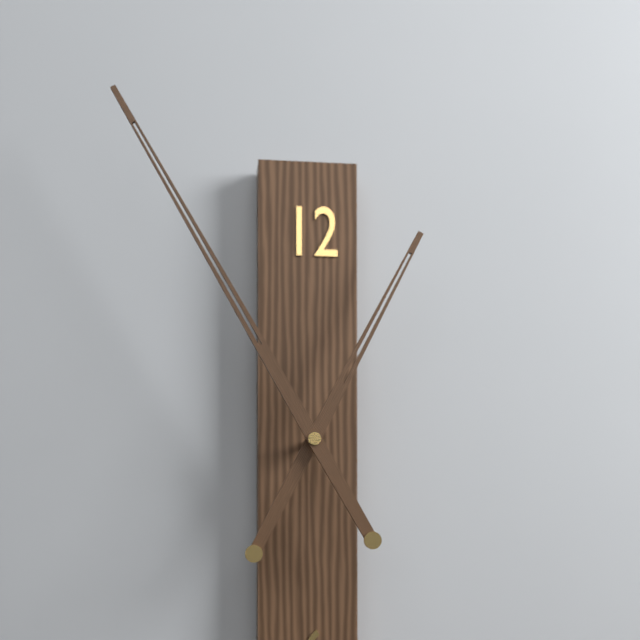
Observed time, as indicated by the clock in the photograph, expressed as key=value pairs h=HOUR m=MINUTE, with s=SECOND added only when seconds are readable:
h=12 m=55
